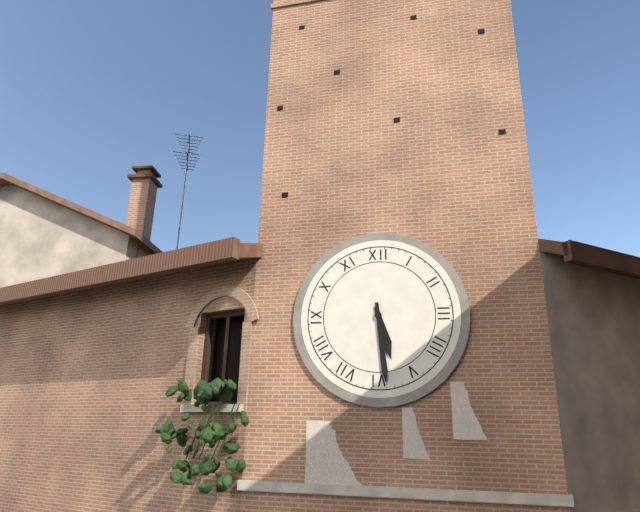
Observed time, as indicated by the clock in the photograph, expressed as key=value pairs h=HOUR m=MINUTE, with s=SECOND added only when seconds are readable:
h=5 m=29
